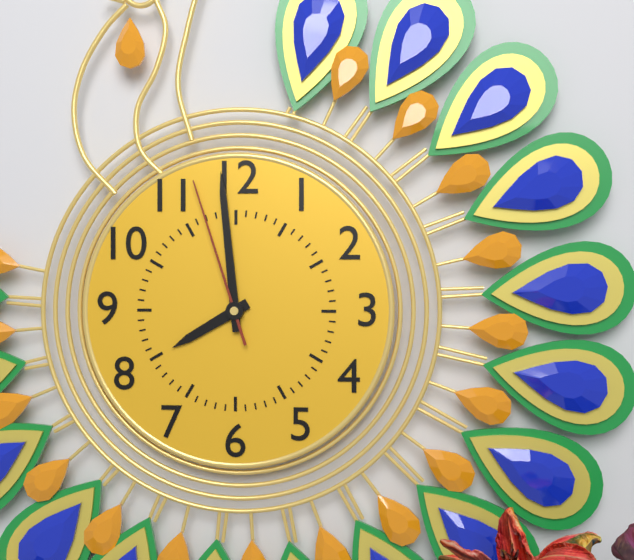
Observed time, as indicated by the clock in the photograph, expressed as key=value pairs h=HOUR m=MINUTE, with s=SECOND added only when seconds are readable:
h=7 m=59 s=57
